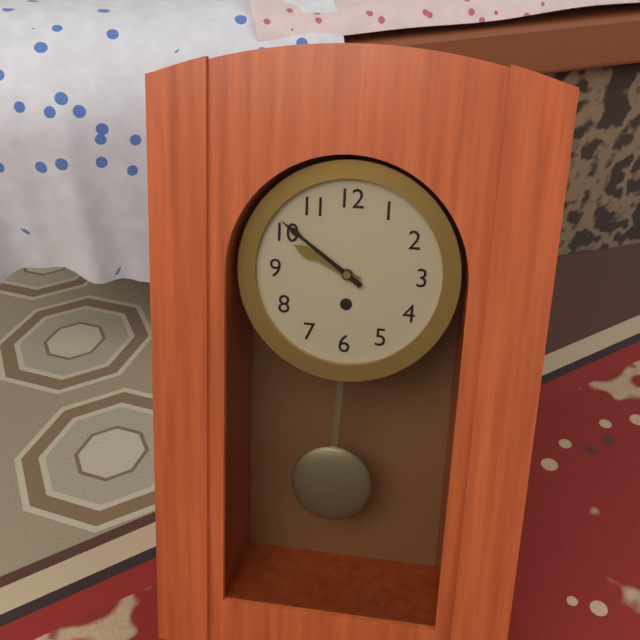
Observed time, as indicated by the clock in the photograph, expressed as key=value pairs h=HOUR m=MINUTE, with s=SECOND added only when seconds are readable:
h=9 m=51
